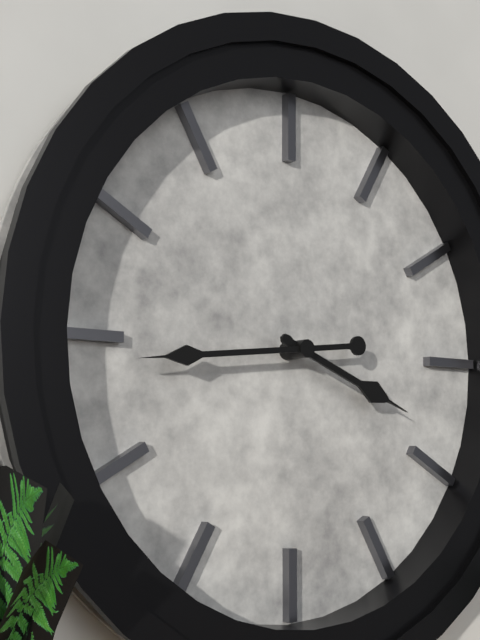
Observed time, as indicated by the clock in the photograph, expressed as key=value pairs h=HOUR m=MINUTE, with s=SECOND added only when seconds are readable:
h=3 m=44
